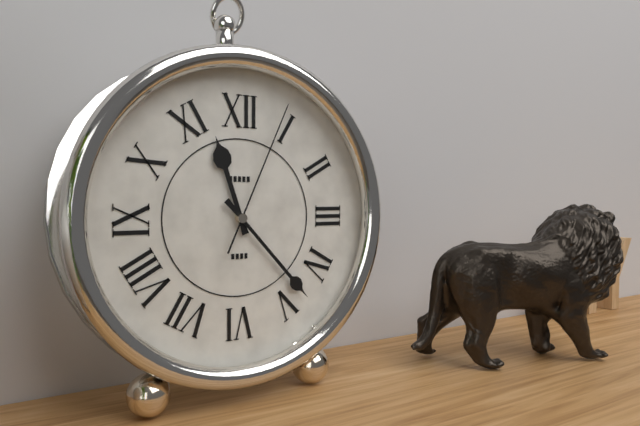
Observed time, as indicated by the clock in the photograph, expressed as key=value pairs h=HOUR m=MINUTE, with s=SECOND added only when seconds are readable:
h=11 m=23 s=4
